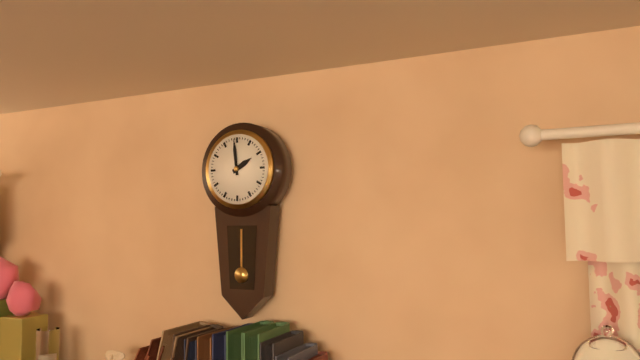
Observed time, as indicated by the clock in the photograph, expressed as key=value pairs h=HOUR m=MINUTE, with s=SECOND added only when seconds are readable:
h=1 m=59
